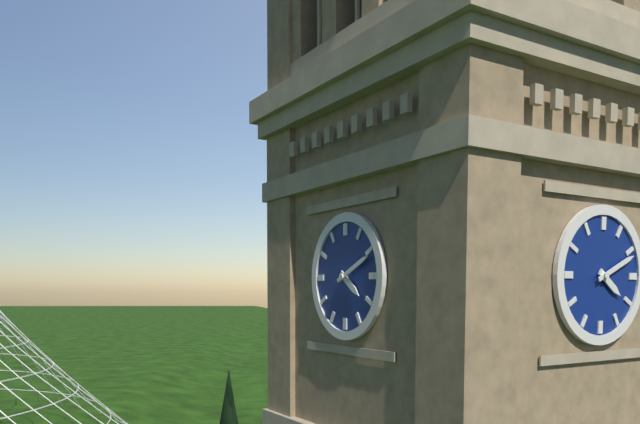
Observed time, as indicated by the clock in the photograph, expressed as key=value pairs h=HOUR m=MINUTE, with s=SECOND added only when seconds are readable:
h=4 m=11
